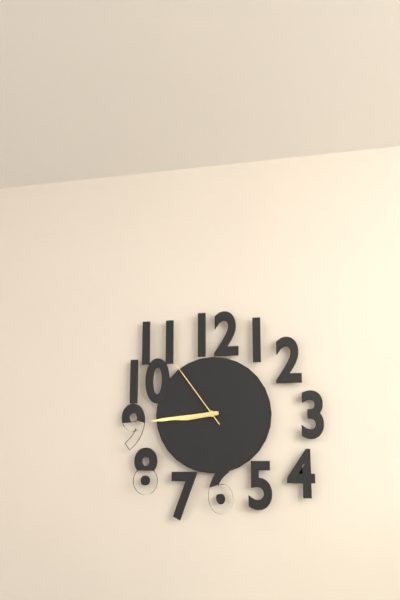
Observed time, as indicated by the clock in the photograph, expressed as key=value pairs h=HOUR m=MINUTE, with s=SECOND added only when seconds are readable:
h=8 m=44 s=54
